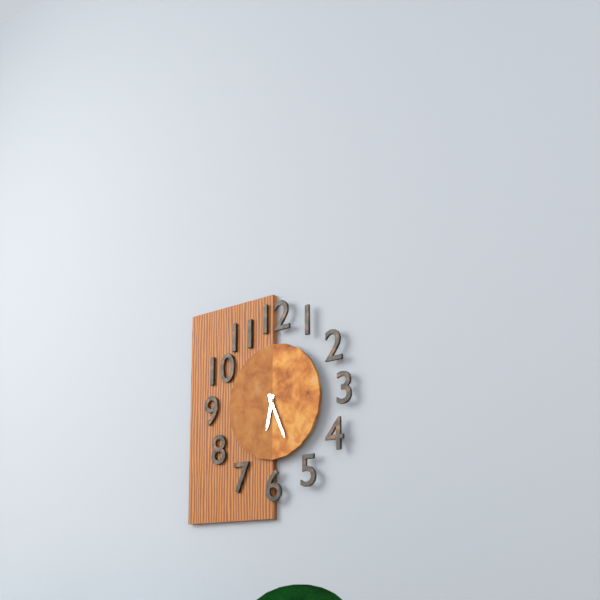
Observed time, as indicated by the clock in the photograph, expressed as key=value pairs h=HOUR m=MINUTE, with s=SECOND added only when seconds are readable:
h=6 m=26
